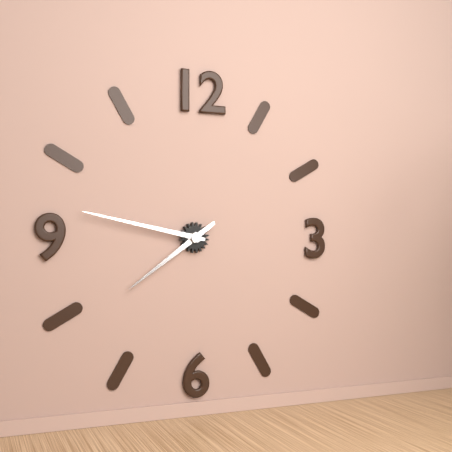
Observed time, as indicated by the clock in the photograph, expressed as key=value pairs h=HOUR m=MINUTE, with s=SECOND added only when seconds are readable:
h=7 m=47
